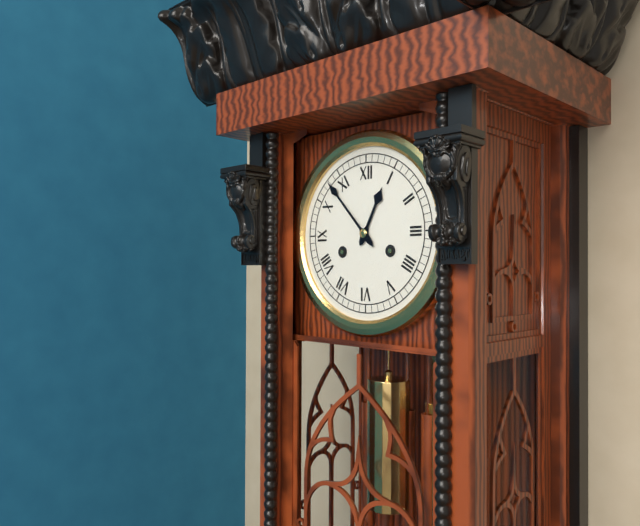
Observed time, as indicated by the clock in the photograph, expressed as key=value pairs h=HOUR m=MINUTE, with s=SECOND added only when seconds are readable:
h=12 m=53
